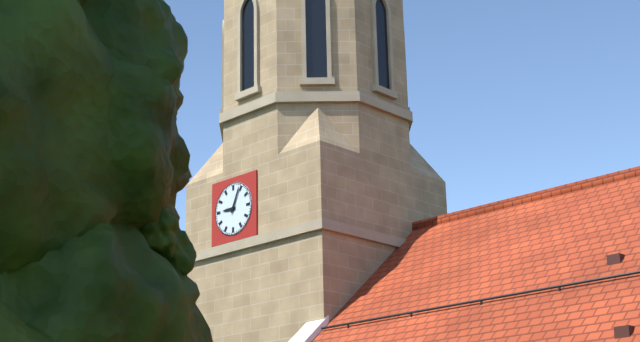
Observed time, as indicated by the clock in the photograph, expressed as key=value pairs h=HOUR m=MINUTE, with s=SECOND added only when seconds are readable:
h=9 m=4
